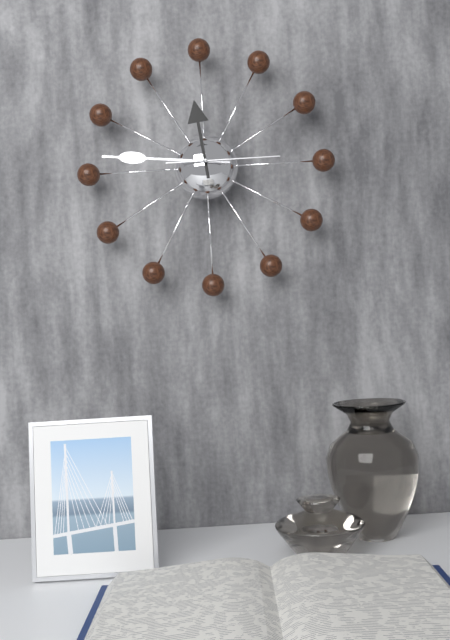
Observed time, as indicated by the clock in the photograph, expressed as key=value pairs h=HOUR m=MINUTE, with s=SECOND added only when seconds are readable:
h=11 m=46 s=15
